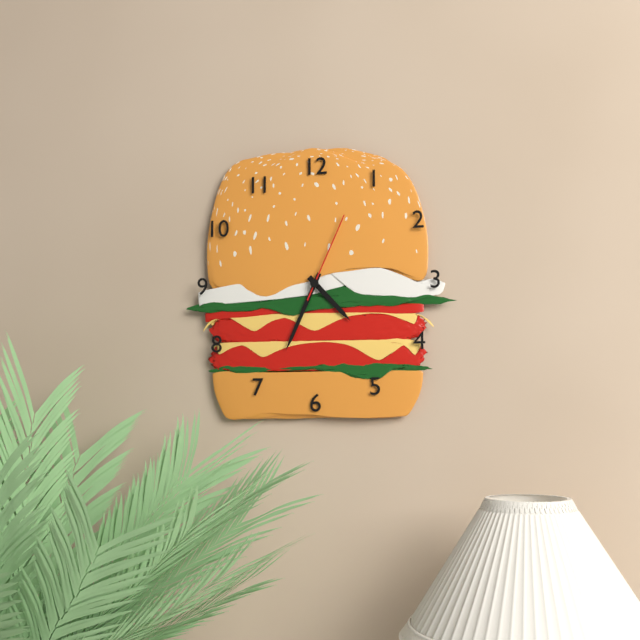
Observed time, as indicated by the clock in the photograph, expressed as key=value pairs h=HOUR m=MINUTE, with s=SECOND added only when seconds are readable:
h=4 m=34 s=4
